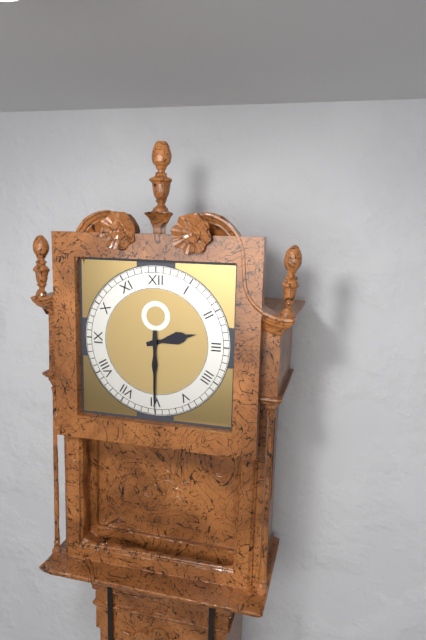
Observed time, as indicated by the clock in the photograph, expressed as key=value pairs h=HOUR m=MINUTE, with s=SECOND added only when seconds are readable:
h=2 m=30
